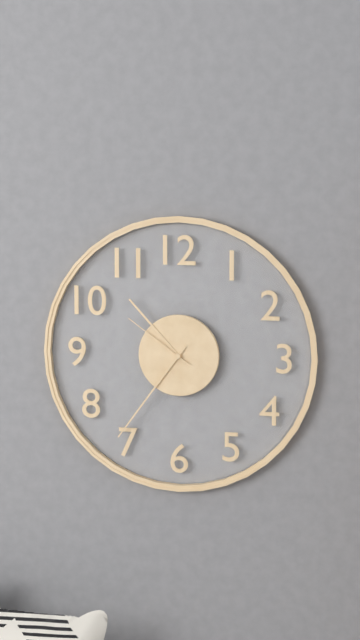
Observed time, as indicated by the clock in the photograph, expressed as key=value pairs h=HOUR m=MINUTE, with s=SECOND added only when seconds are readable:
h=10 m=36 s=51
